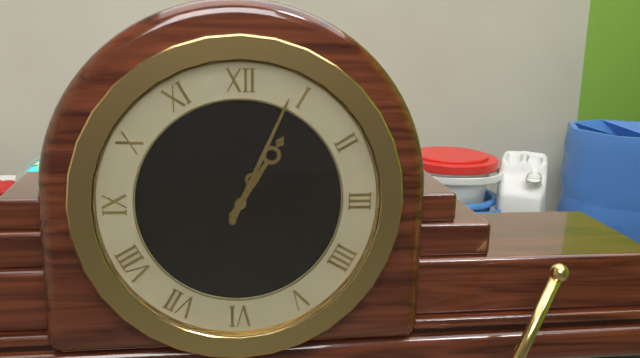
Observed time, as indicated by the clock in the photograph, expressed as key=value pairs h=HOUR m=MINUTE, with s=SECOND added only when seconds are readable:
h=1 m=4
